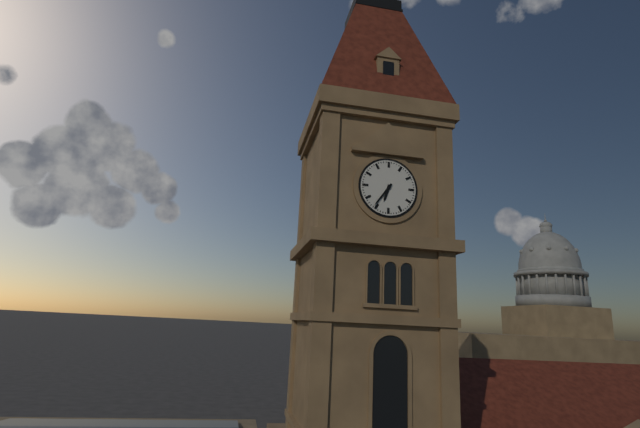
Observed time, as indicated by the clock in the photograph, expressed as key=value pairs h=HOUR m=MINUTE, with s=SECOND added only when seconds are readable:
h=6 m=36
